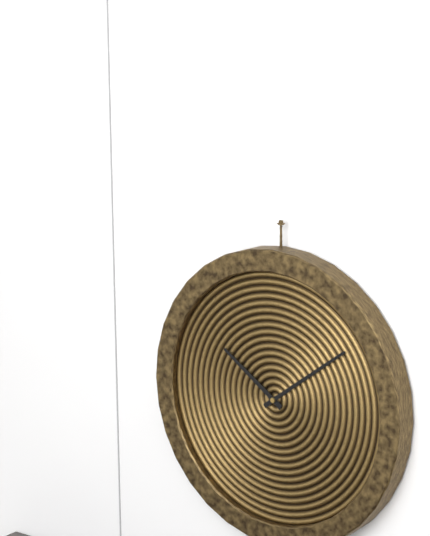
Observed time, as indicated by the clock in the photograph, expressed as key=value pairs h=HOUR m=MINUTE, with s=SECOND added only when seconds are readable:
h=10 m=9
